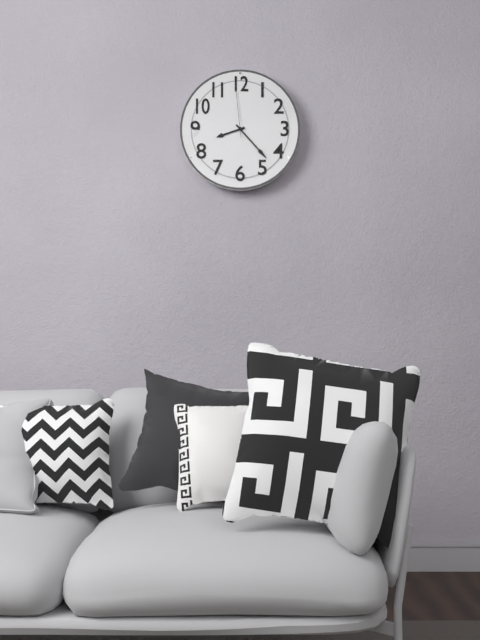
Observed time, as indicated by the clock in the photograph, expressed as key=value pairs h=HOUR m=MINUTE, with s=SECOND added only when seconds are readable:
h=8 m=23
